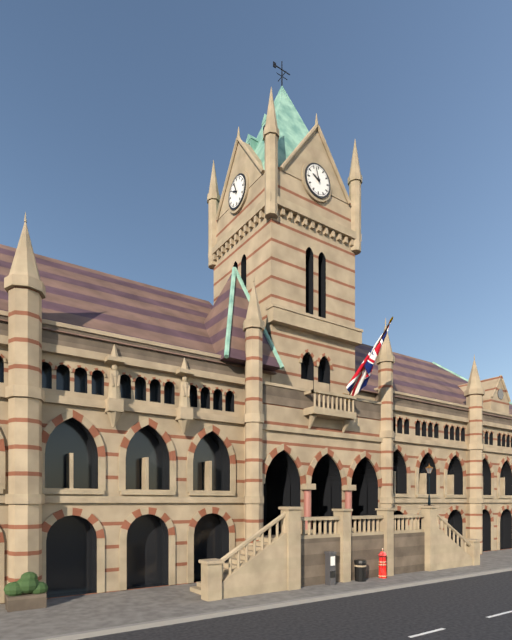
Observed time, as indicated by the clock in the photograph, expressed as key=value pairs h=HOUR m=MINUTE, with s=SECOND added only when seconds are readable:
h=9 m=57
